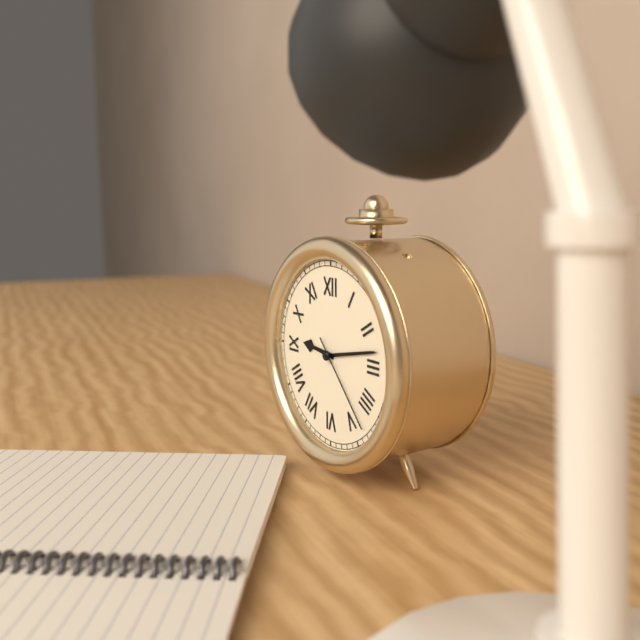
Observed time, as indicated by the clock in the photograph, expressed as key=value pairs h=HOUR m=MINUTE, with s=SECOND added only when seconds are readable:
h=9 m=13 s=23
